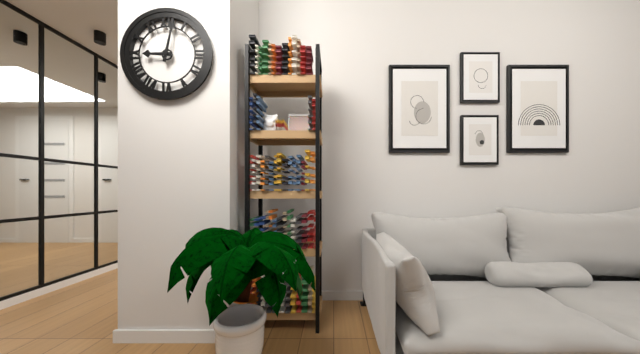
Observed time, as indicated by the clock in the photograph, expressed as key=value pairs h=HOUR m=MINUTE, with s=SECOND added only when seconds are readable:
h=9 m=2
